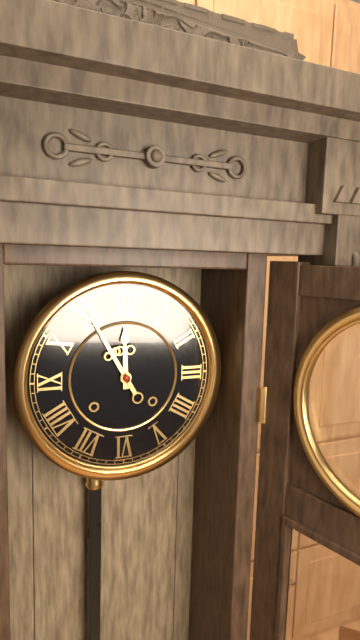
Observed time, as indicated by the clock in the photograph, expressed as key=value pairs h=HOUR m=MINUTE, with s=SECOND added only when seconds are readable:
h=11 m=55
